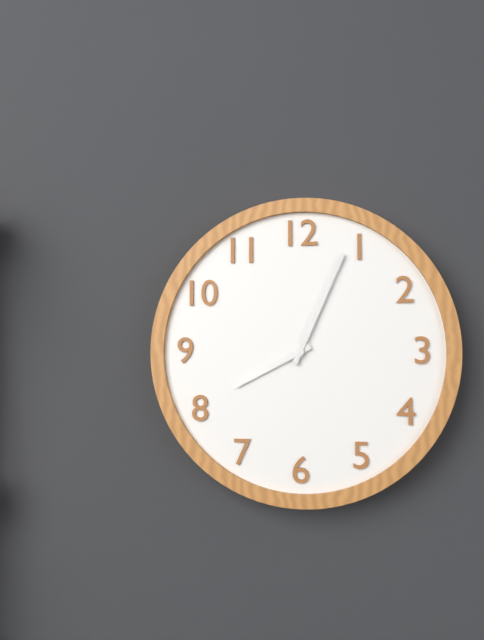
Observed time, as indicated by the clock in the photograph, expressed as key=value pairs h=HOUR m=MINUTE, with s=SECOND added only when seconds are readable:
h=8 m=4
